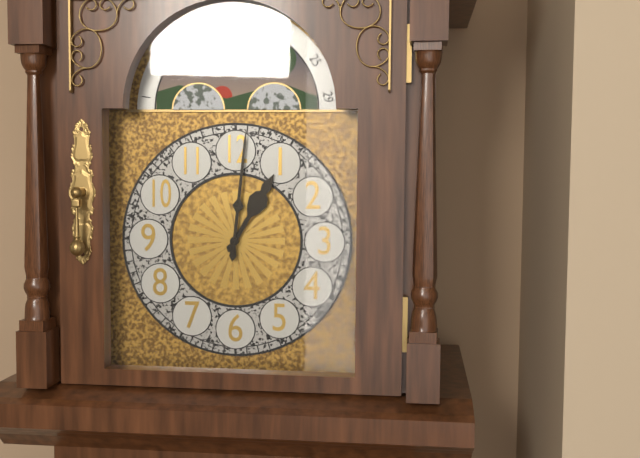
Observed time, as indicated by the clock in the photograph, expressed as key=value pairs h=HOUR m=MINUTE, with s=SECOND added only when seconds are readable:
h=1 m=1
